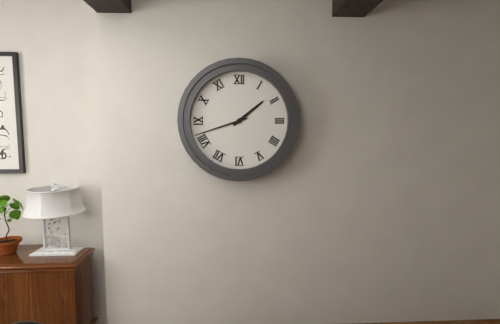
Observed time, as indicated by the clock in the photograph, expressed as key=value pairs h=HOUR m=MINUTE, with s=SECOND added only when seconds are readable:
h=1 m=42
